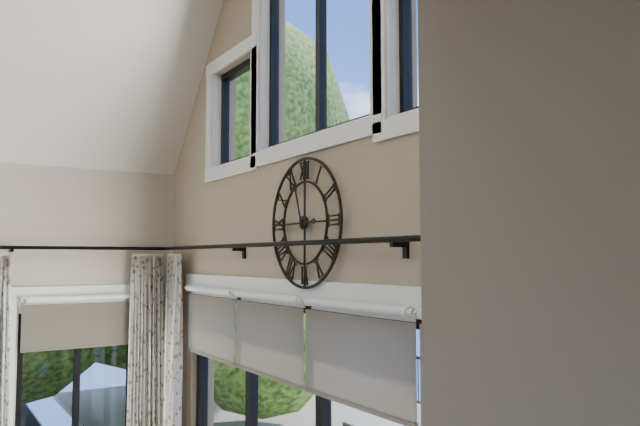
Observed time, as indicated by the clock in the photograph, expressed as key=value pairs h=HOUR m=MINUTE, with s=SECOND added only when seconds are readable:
h=2 m=57
